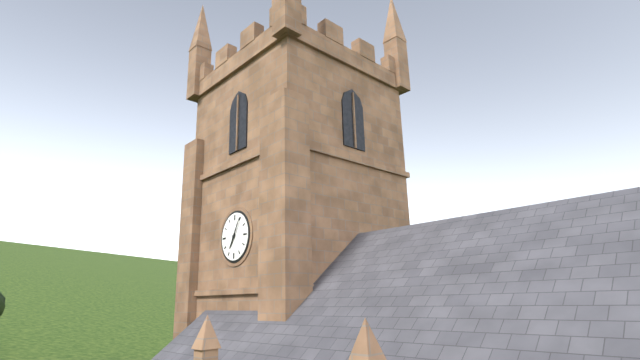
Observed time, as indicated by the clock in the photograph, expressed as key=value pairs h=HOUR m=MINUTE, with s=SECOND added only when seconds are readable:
h=7 m=5
